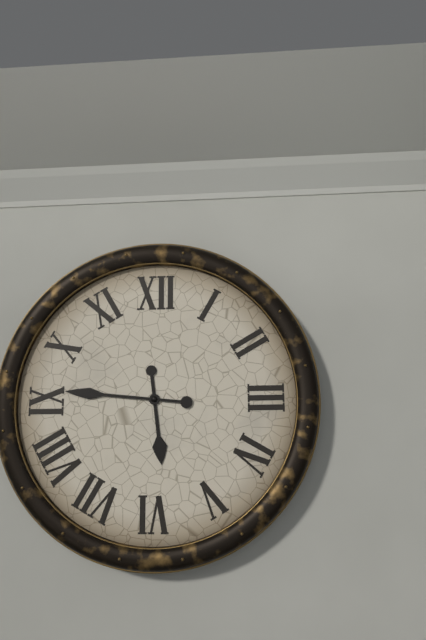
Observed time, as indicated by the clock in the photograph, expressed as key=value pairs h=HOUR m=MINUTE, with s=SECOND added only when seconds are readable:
h=5 m=46
